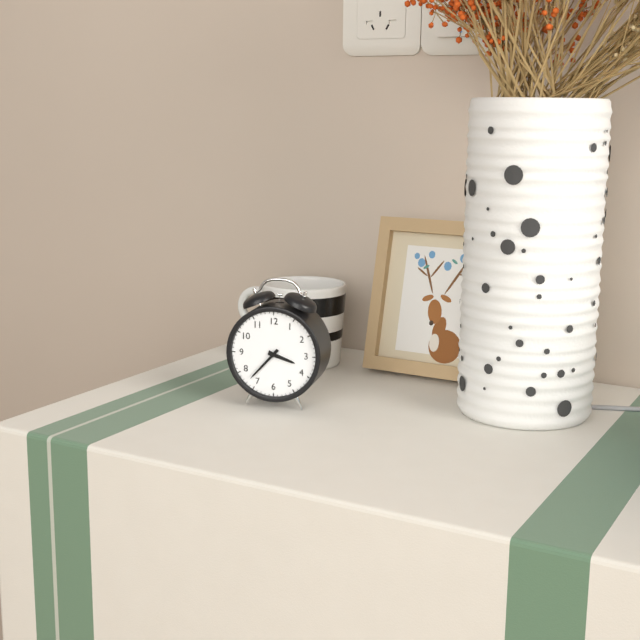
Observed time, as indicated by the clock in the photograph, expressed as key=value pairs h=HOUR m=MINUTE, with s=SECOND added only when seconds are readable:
h=3 m=37
